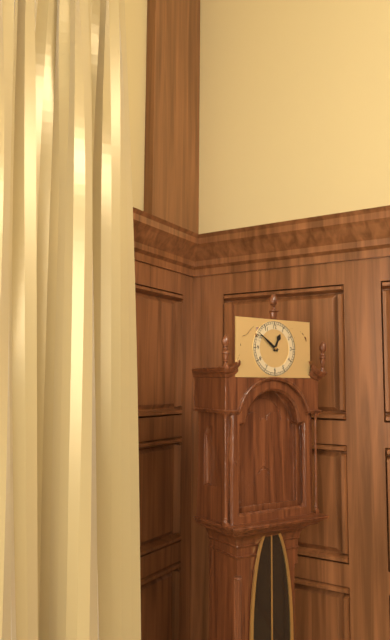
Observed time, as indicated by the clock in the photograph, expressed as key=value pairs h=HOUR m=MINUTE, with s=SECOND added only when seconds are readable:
h=12 m=51
